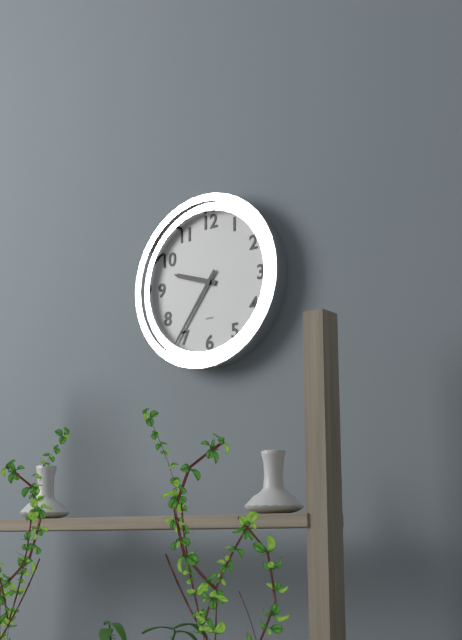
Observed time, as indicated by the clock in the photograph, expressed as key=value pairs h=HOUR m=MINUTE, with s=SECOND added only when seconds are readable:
h=9 m=36
